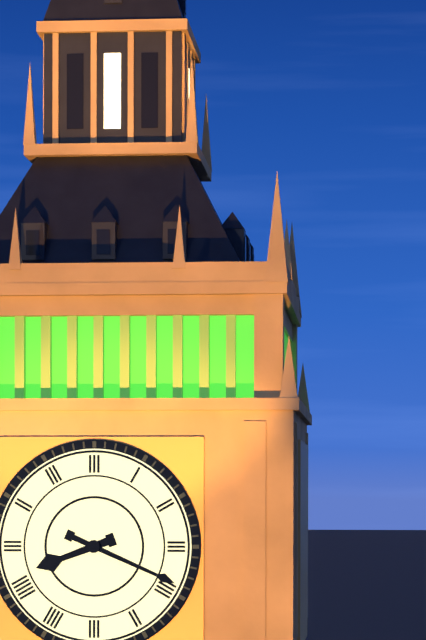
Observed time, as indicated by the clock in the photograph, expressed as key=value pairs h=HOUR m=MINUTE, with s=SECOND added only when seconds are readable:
h=8 m=19
